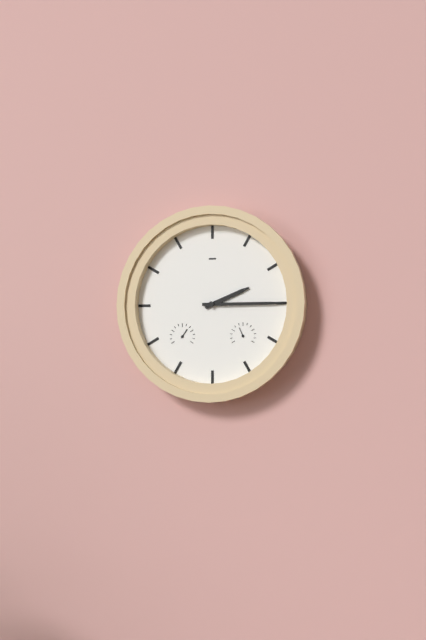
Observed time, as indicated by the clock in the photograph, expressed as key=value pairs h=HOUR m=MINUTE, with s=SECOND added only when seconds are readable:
h=2 m=15
